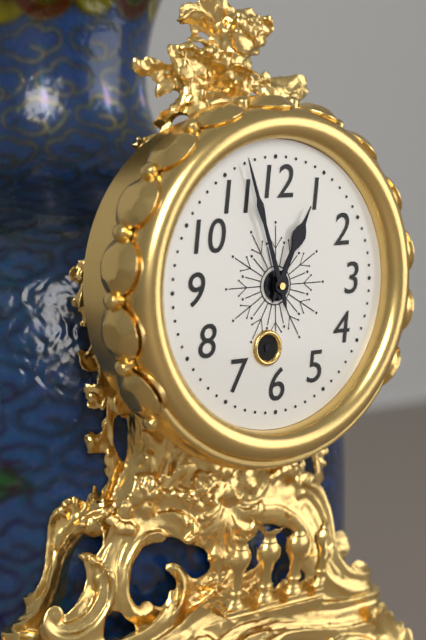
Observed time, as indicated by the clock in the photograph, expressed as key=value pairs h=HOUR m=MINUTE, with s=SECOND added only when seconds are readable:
h=12 m=57
